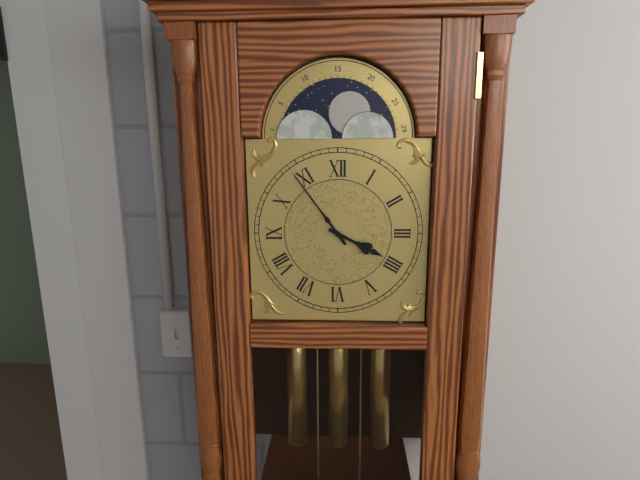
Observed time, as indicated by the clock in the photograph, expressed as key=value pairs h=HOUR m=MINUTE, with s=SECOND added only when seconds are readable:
h=3 m=54
